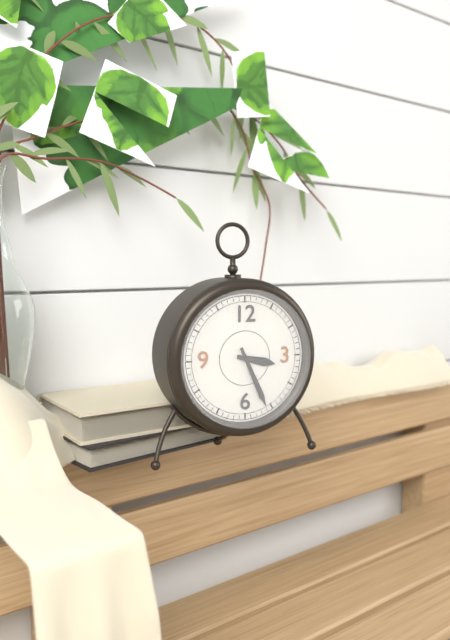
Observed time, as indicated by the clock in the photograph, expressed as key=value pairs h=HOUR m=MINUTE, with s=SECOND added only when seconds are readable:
h=3 m=26
